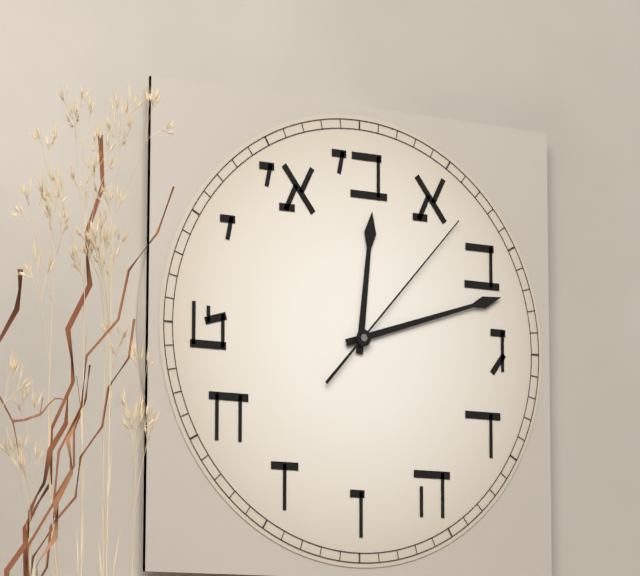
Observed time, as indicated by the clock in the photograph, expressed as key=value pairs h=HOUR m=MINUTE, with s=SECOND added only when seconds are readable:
h=12 m=12 s=7
